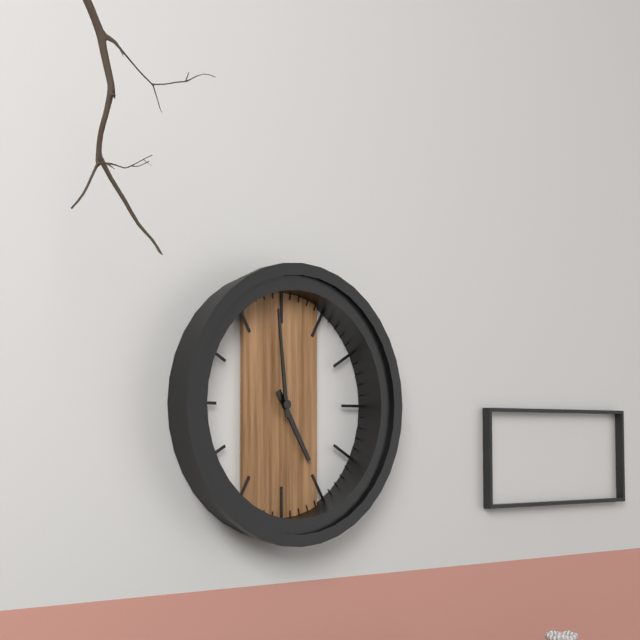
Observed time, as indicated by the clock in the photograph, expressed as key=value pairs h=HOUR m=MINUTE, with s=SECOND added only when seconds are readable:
h=4 m=59
